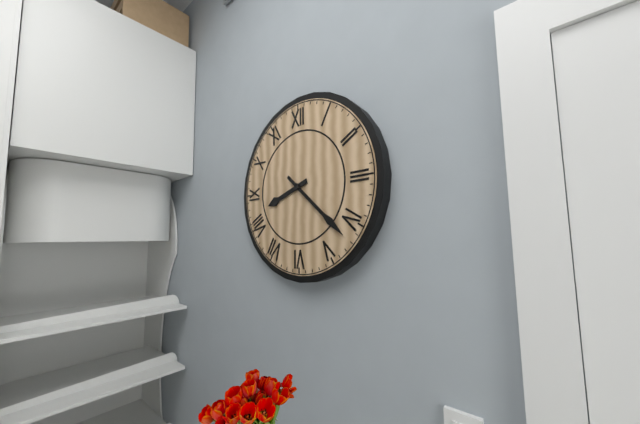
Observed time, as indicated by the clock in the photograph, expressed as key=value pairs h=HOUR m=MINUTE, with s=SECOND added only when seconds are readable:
h=8 m=22
